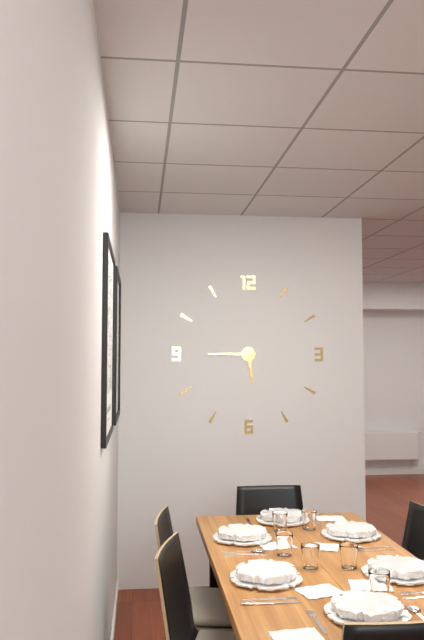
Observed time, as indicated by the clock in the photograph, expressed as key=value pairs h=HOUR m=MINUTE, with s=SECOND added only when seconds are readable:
h=5 m=45
